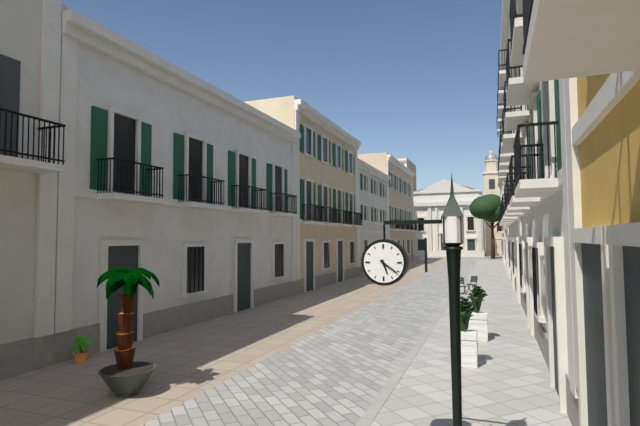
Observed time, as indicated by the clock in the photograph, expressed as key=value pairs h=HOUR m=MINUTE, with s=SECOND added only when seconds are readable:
h=5 m=21
